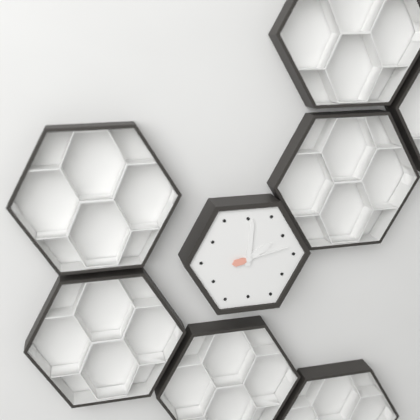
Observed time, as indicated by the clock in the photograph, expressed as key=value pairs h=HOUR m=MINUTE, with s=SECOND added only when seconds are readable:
h=2 m=1 s=13
